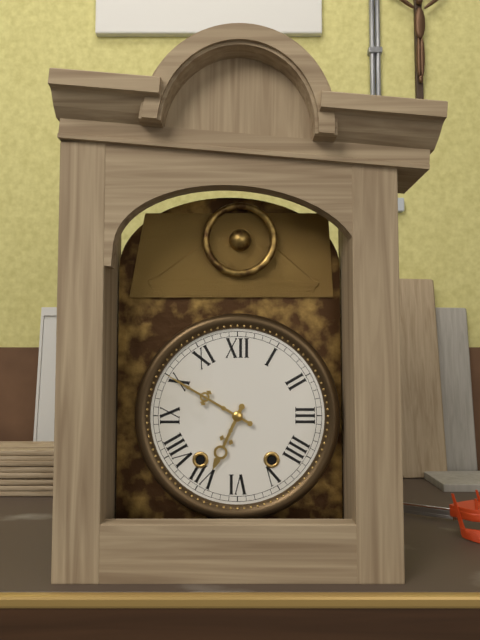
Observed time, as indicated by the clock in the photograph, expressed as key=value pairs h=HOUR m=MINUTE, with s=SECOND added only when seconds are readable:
h=6 m=50
